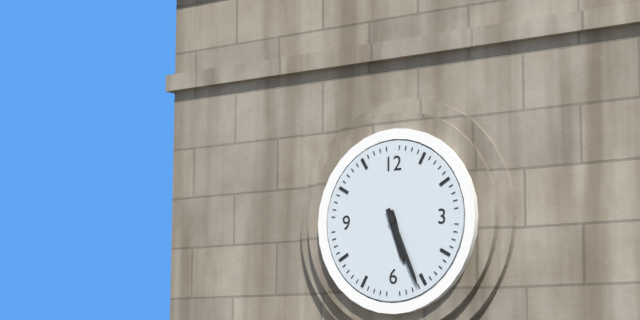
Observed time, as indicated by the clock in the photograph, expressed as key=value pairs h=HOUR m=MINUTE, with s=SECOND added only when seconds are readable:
h=5 m=26
